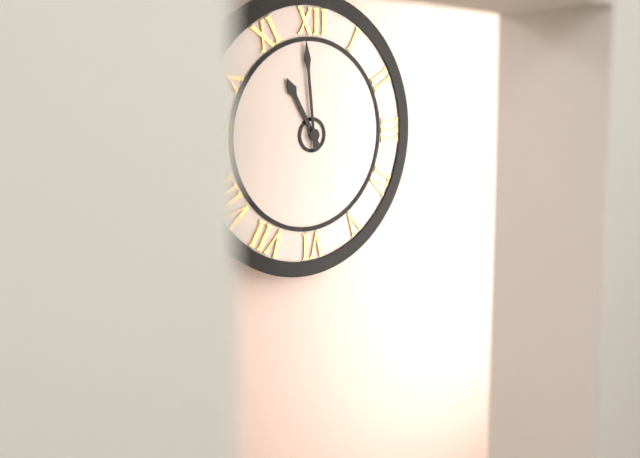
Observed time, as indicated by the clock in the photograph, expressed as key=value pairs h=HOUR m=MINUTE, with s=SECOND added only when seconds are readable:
h=10 m=59
